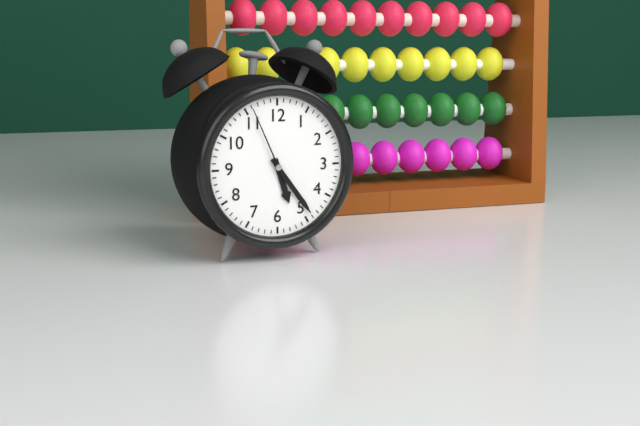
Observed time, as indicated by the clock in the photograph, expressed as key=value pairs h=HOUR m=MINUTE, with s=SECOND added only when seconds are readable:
h=5 m=24 s=56
